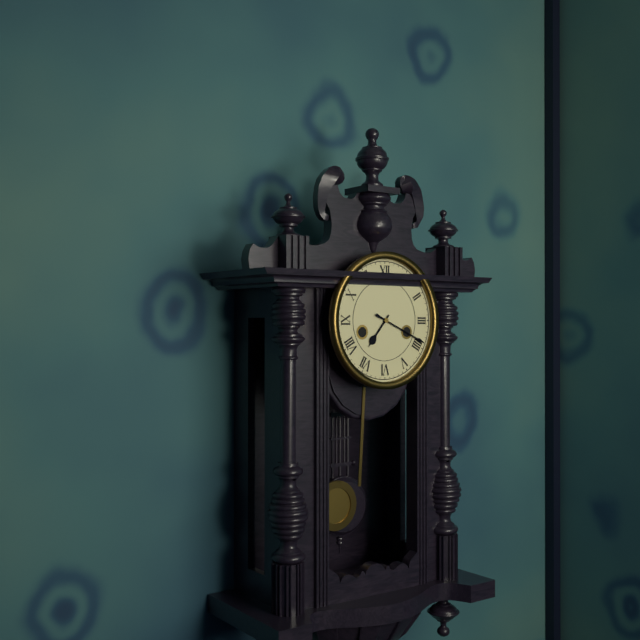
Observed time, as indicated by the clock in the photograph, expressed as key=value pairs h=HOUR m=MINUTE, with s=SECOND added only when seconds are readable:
h=7 m=19
